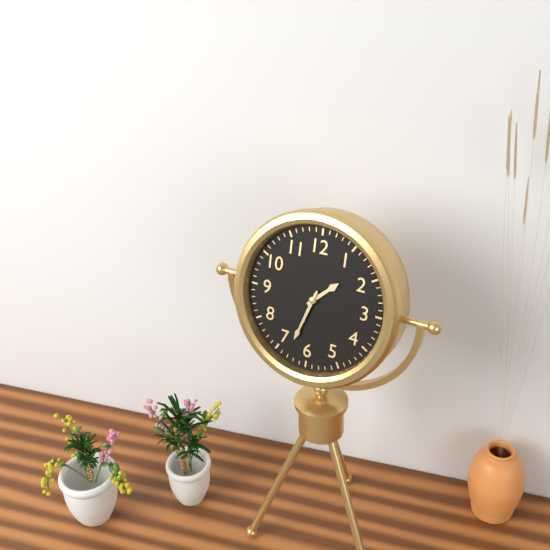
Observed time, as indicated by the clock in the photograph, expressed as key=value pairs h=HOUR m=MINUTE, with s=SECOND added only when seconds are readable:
h=1 m=33
